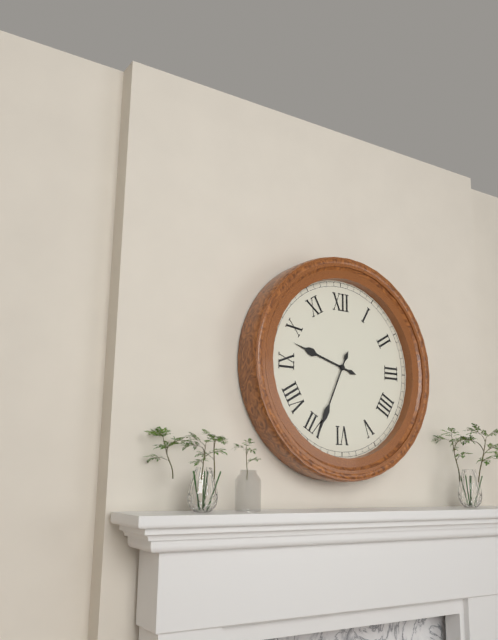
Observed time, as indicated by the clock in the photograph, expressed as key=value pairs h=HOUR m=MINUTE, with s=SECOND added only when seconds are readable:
h=9 m=34
